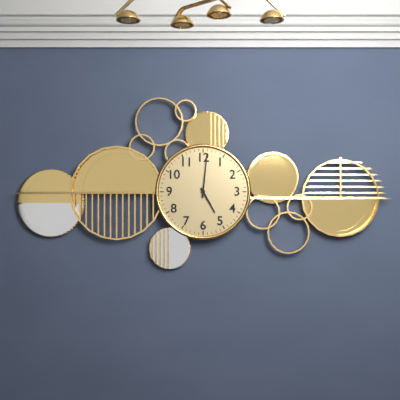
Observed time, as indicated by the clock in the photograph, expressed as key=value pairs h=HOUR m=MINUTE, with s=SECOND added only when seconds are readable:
h=5 m=1
